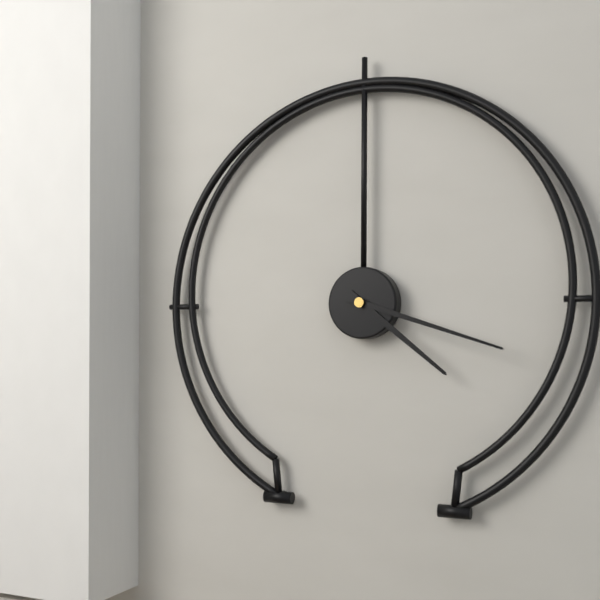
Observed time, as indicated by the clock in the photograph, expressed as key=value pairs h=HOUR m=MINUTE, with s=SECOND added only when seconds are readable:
h=4 m=18
